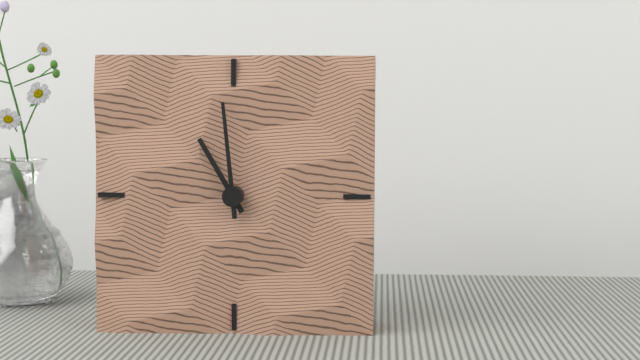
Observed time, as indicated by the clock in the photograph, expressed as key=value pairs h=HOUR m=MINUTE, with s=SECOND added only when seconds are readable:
h=10 m=59
